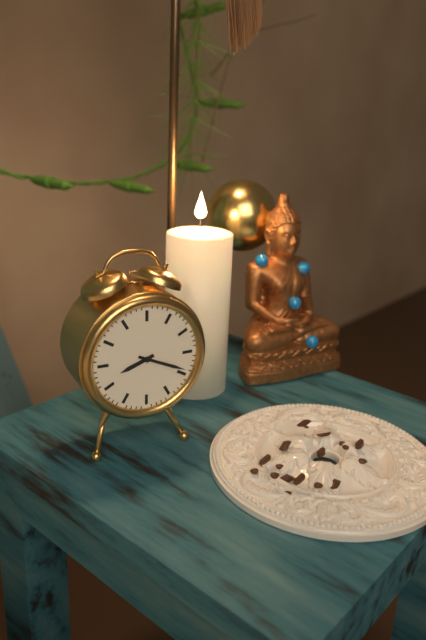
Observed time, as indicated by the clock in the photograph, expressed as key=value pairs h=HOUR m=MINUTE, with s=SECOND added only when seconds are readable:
h=8 m=19
